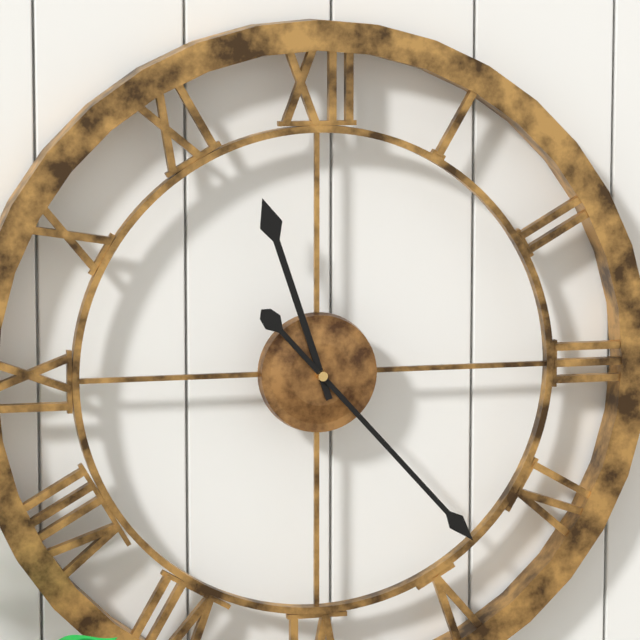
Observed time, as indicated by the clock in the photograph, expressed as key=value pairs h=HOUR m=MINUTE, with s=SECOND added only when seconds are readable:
h=11 m=23
